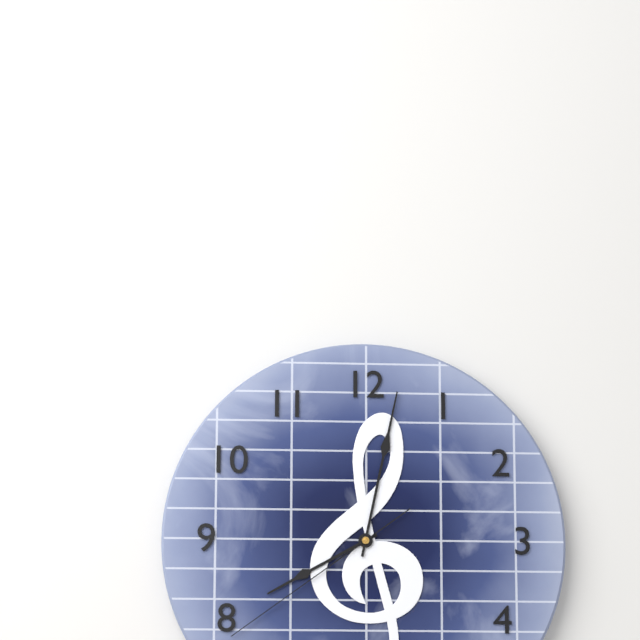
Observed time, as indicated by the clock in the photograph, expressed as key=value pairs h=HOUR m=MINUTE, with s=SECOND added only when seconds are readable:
h=8 m=2 s=39
